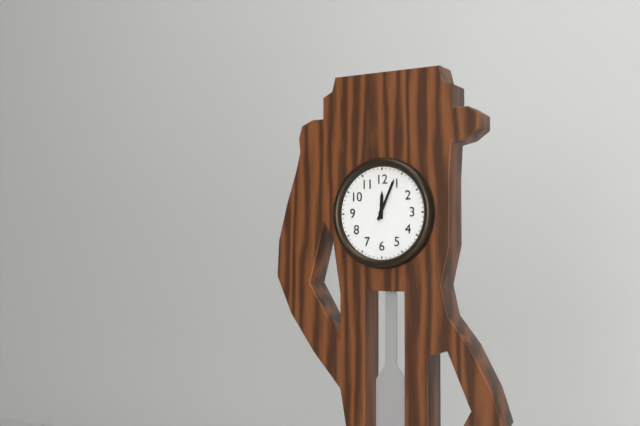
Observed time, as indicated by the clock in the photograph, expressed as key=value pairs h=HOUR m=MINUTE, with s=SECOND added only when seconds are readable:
h=12 m=4
